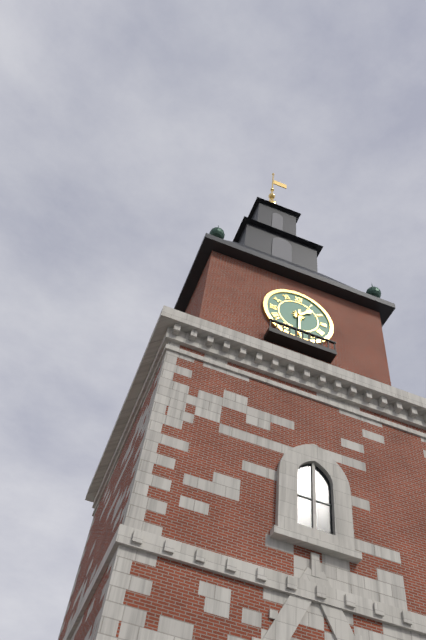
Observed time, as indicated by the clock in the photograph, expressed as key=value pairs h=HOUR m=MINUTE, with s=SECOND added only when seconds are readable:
h=1 m=30
